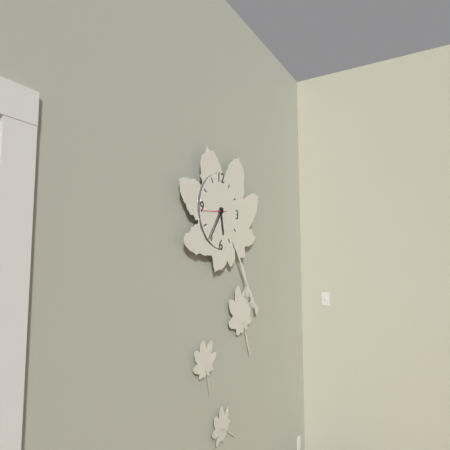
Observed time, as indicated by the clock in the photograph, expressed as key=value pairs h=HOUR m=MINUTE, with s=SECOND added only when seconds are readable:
h=5 m=36
